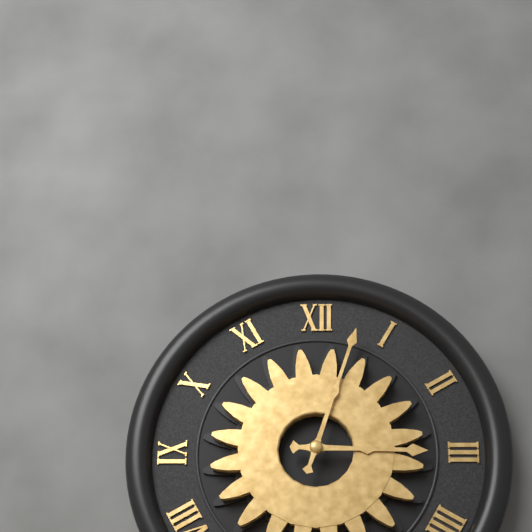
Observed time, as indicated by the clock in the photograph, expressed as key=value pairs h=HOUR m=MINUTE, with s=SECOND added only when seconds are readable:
h=3 m=3
